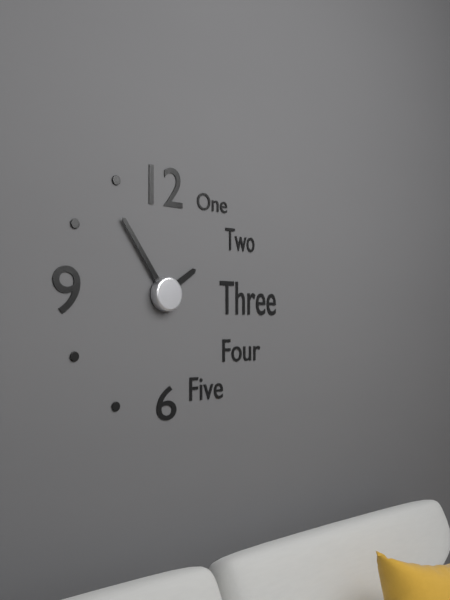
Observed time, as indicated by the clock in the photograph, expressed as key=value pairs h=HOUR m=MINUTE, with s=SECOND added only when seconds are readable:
h=1 m=54
